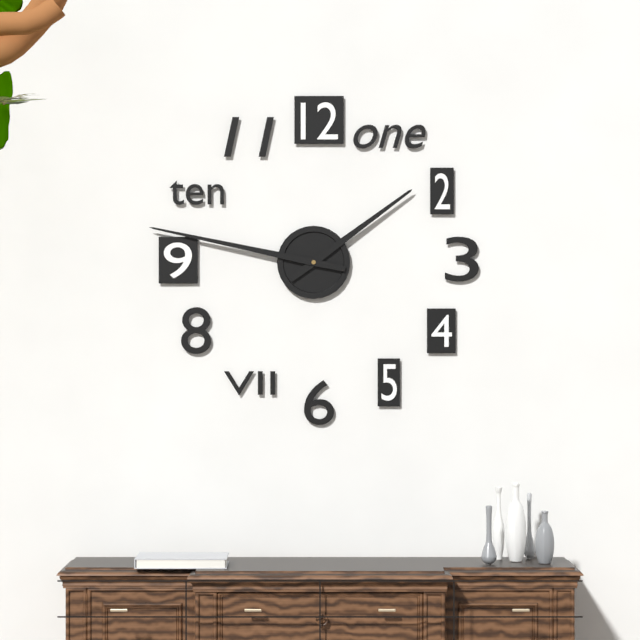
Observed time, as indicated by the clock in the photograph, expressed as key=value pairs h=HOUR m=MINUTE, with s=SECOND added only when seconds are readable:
h=1 m=47
